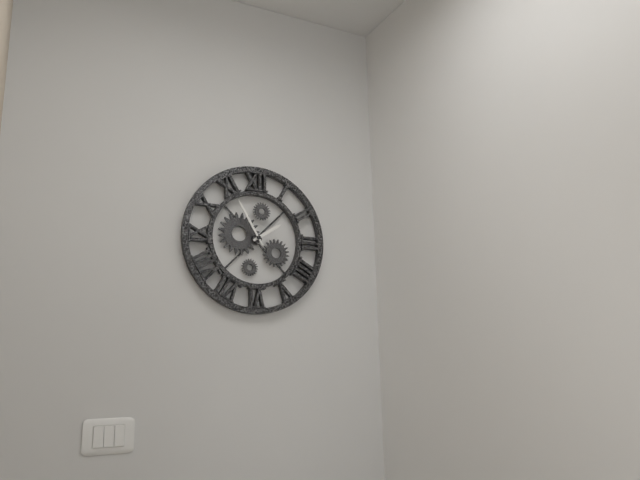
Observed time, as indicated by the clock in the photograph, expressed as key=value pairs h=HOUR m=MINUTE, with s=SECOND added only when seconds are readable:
h=1 m=55
